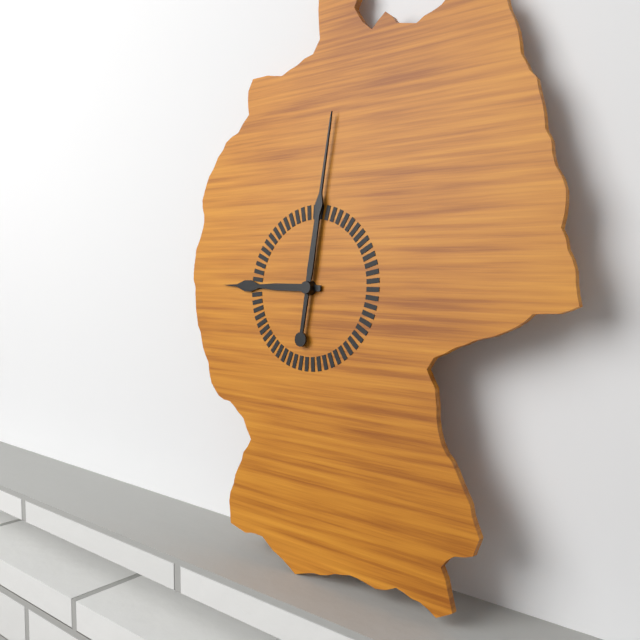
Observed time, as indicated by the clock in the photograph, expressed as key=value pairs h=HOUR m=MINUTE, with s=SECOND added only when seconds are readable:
h=9 m=1
